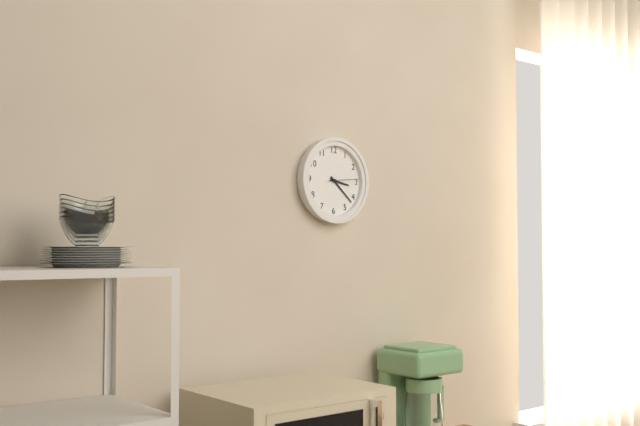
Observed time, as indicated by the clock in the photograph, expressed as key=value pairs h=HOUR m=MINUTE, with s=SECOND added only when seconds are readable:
h=3 m=22
